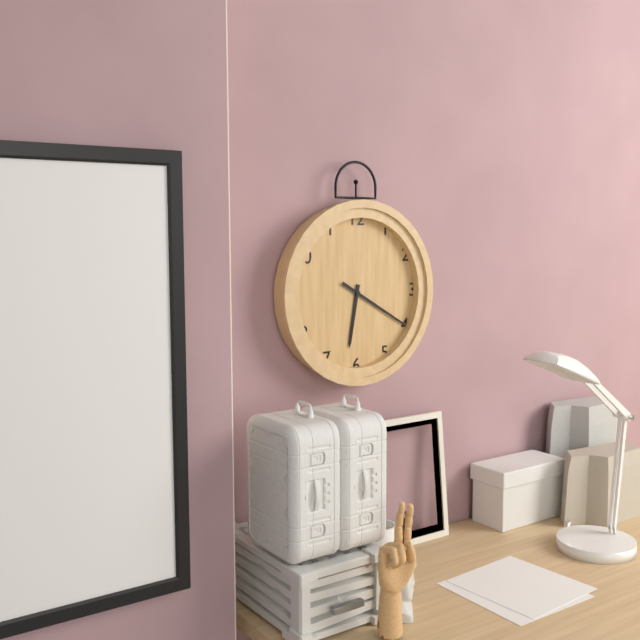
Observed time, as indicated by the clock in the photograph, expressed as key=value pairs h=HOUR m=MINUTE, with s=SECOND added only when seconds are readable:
h=6 m=20
